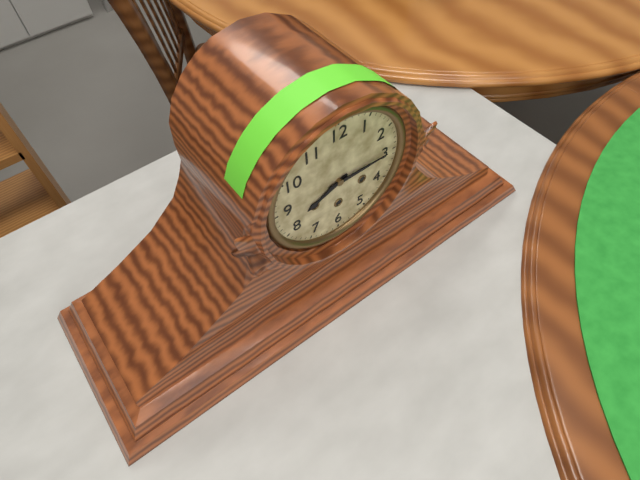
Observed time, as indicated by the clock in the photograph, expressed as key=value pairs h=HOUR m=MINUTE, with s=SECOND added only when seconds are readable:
h=8 m=15
